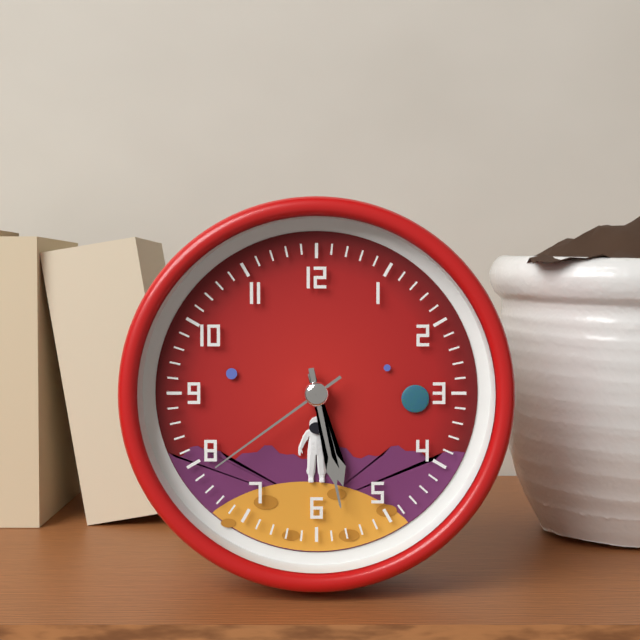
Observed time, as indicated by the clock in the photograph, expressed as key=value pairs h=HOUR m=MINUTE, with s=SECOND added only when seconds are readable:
h=5 m=28 s=39
